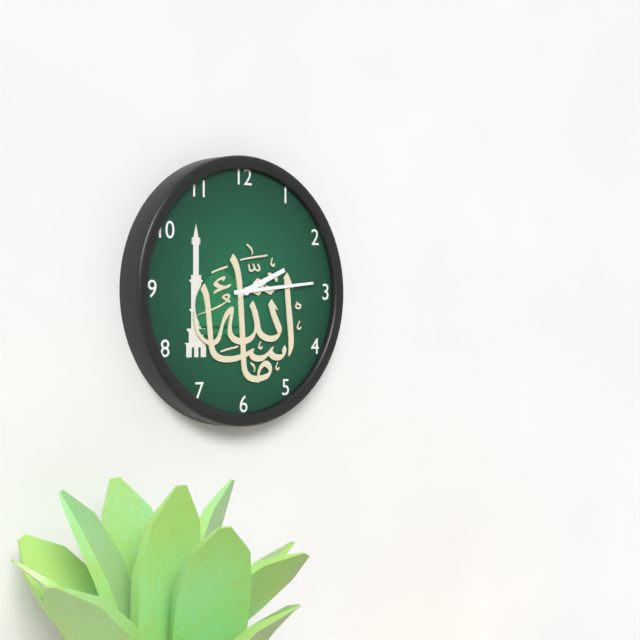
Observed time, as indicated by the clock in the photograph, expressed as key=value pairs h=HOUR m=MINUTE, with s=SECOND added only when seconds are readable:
h=2 m=14
